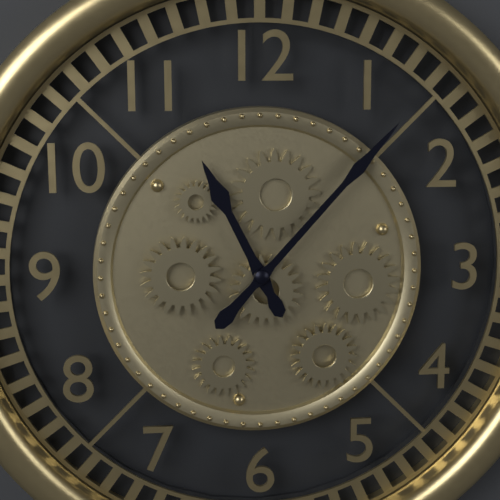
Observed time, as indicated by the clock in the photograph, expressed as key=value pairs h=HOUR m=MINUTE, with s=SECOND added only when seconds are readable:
h=11 m=7
